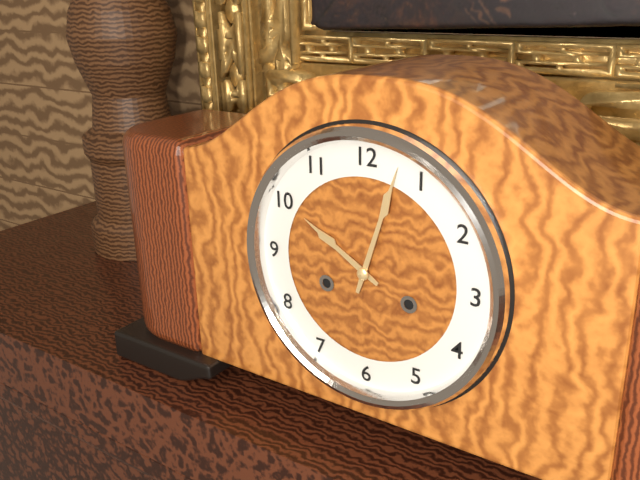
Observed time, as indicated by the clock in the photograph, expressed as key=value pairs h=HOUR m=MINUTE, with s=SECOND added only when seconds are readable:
h=10 m=3
